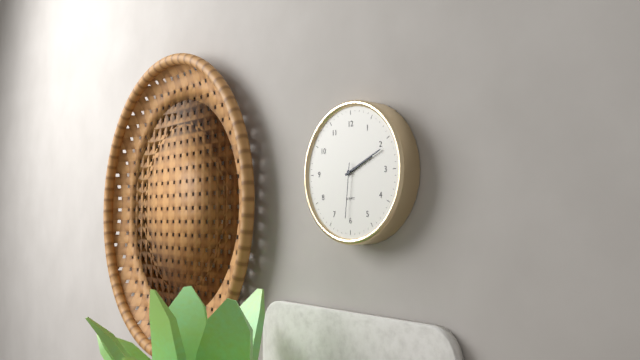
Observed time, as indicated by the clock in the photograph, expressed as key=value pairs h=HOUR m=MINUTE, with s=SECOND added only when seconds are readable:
h=2 m=11 s=31
